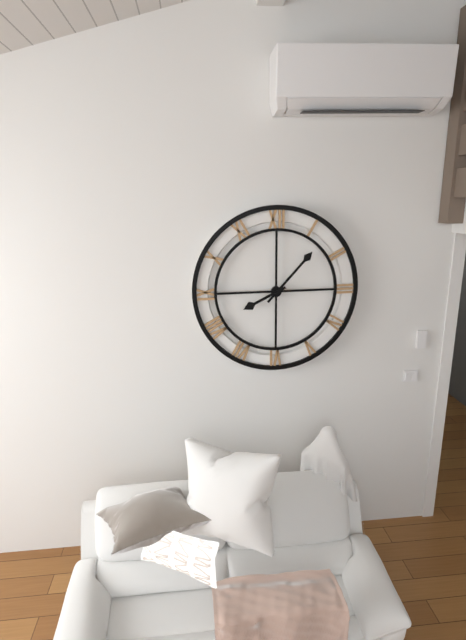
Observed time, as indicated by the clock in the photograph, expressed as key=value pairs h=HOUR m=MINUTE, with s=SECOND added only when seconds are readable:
h=8 m=7
